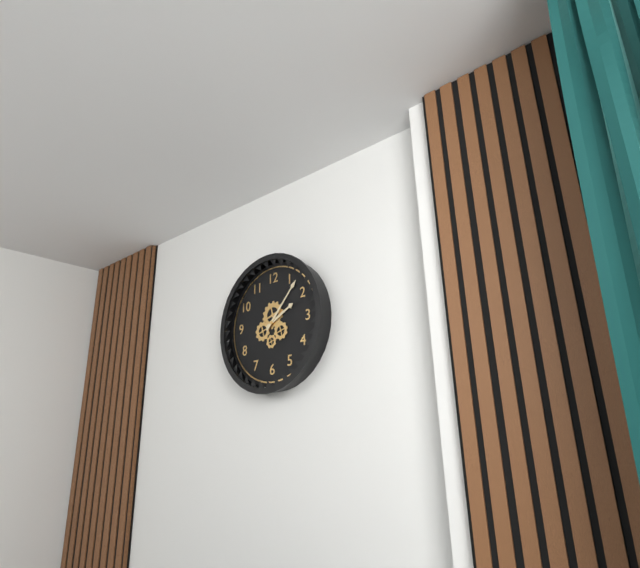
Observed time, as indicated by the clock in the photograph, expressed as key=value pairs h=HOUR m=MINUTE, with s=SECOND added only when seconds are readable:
h=2 m=7
